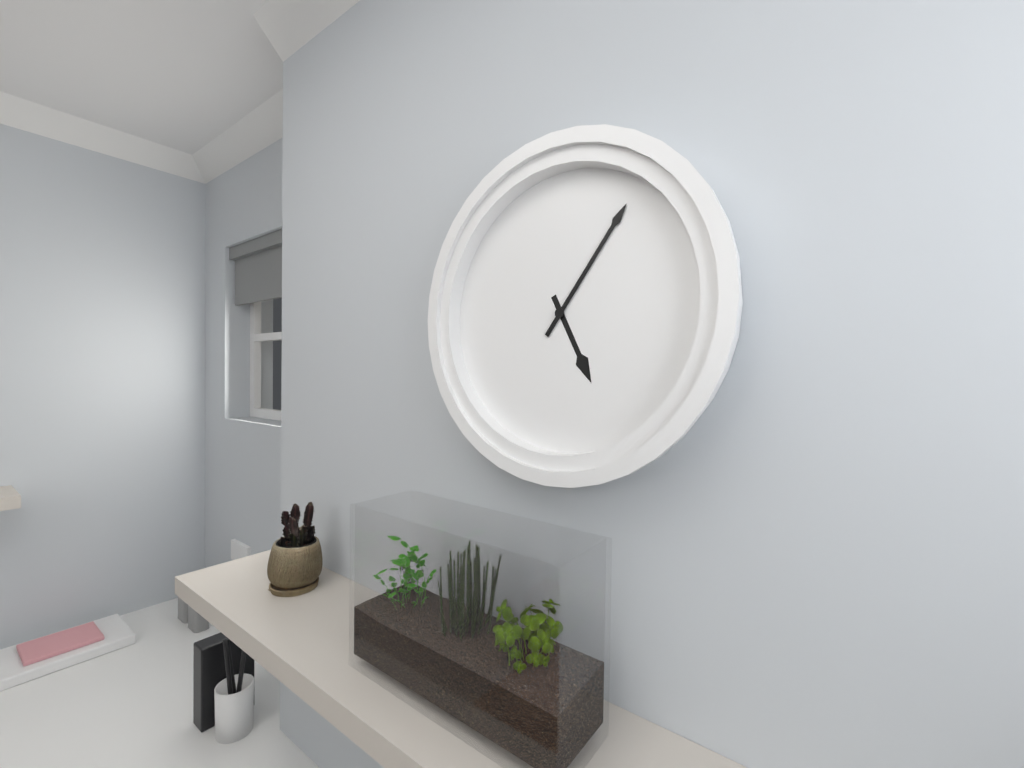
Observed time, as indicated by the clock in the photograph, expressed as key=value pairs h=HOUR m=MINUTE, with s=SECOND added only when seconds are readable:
h=5 m=6
